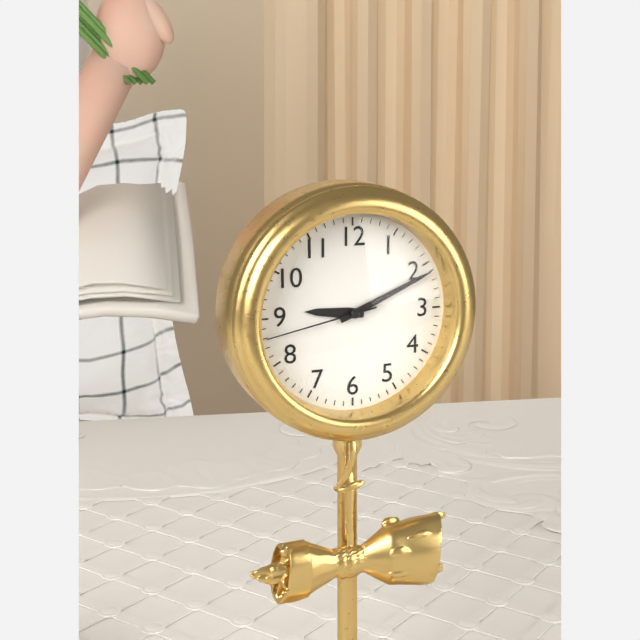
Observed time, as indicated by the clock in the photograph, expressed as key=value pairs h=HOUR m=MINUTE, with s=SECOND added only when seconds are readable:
h=9 m=11 s=43
